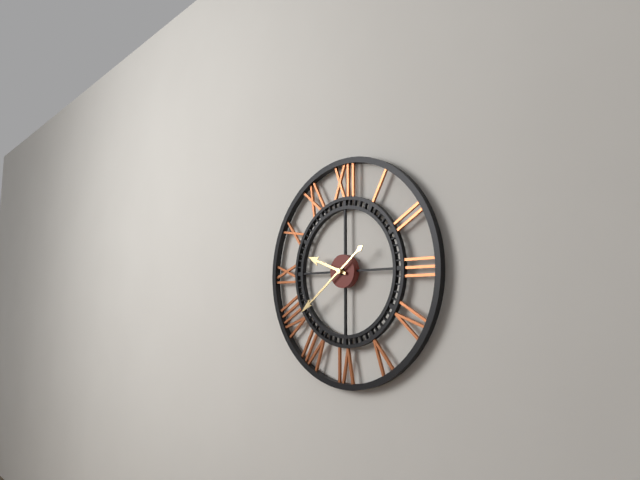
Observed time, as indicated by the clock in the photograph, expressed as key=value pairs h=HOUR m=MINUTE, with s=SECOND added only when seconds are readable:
h=9 m=39
